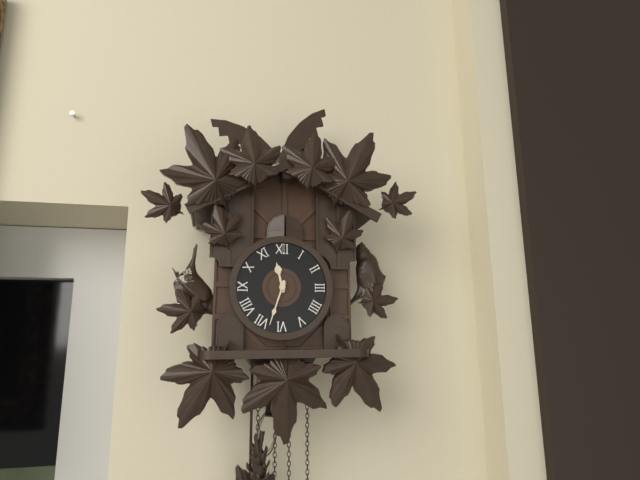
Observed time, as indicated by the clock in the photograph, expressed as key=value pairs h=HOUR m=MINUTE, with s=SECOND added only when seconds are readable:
h=11 m=33
